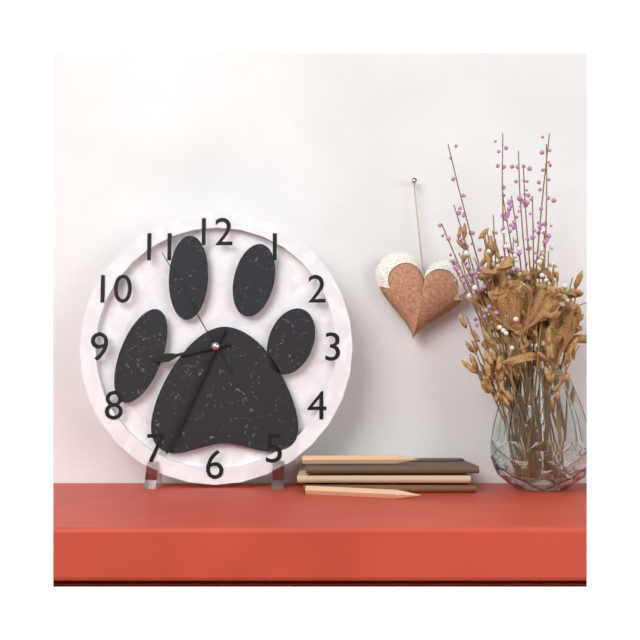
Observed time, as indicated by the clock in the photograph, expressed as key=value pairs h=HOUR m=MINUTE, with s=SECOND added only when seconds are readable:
h=8 m=34 s=55
